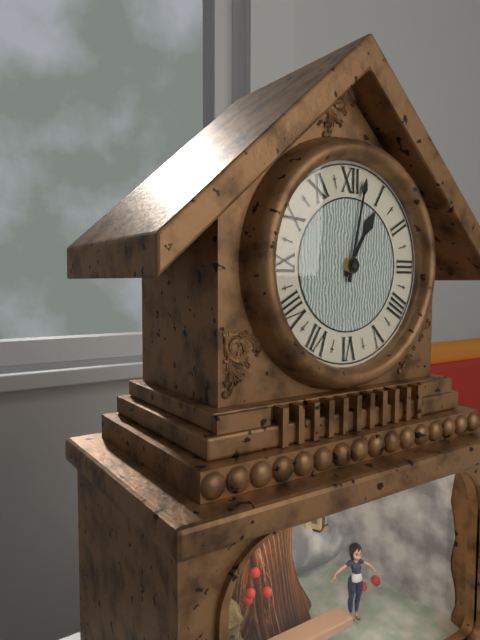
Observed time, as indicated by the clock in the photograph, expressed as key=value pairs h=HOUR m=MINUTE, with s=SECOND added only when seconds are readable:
h=1 m=2
